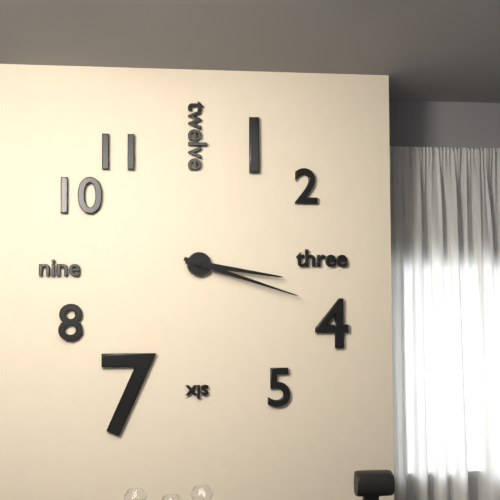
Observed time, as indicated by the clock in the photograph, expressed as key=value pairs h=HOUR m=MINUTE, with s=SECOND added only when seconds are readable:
h=3 m=18
